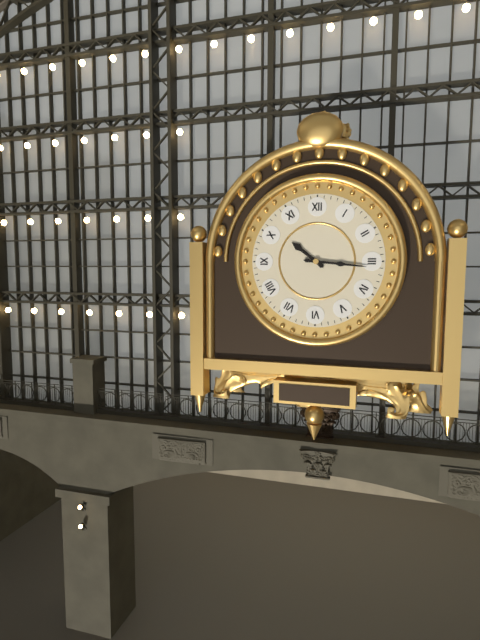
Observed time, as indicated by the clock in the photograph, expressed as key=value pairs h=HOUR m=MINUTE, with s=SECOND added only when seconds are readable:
h=10 m=16
